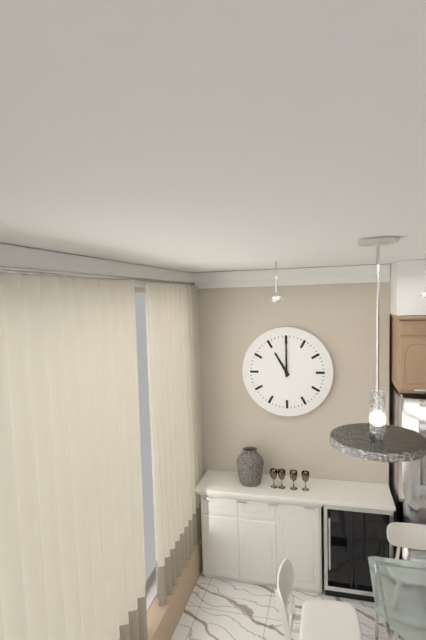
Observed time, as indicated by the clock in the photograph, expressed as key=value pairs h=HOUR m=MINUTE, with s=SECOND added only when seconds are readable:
h=11 m=0
